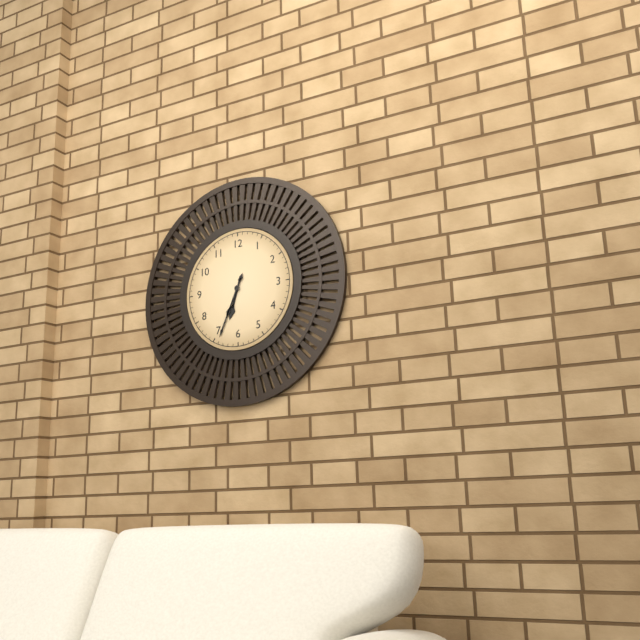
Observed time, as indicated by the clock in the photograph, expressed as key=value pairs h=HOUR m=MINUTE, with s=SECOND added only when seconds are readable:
h=6 m=34
